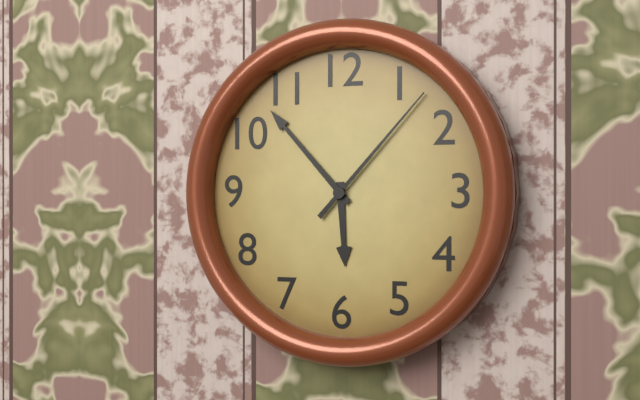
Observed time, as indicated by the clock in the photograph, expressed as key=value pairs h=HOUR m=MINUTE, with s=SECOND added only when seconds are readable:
h=5 m=53 s=7
